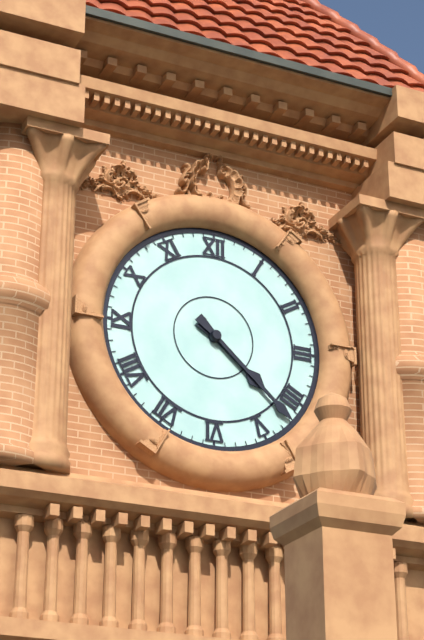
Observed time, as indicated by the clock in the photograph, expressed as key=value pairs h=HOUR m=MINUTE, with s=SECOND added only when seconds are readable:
h=4 m=22
